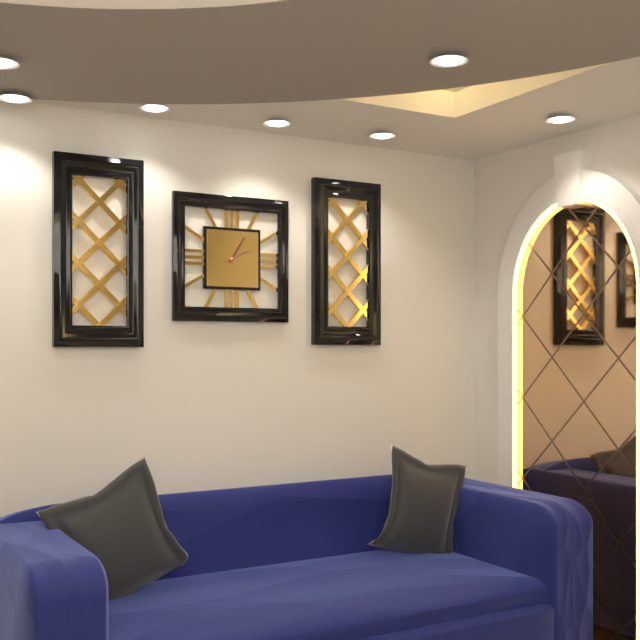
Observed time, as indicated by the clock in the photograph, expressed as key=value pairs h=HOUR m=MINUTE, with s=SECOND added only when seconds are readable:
h=2 m=5
